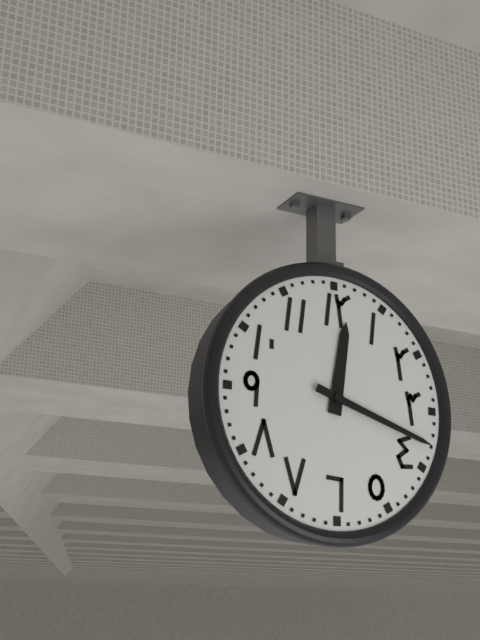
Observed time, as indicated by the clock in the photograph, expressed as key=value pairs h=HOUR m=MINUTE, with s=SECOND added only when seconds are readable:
h=12 m=18
